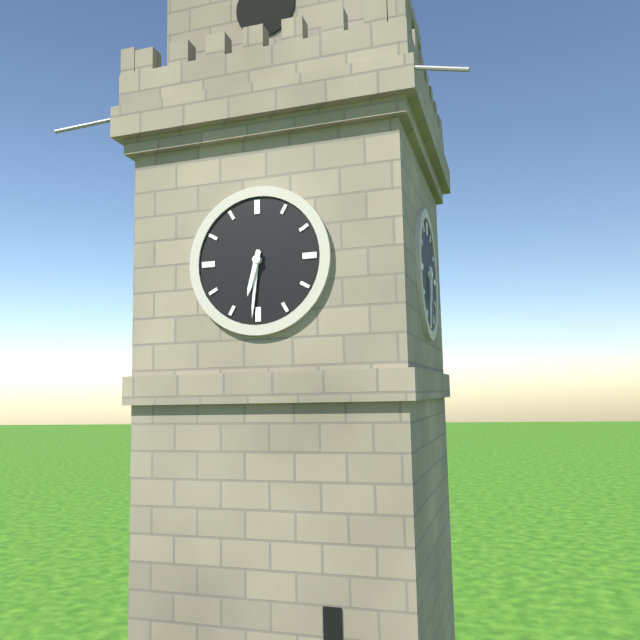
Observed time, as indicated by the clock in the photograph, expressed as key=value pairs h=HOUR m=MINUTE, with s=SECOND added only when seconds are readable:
h=6 m=31
